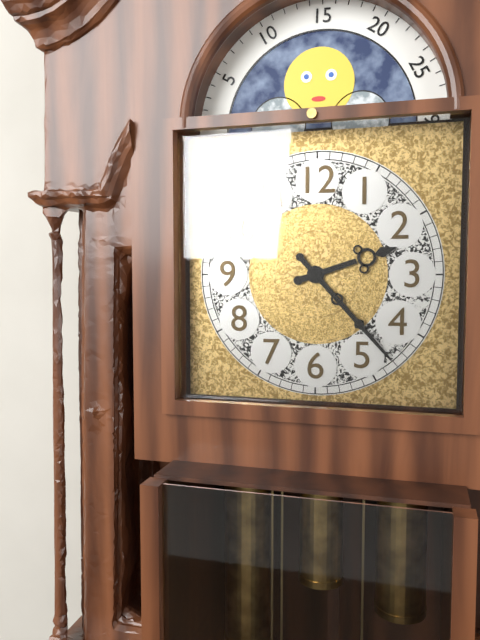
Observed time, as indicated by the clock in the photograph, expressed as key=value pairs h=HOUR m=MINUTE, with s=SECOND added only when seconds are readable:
h=2 m=23
